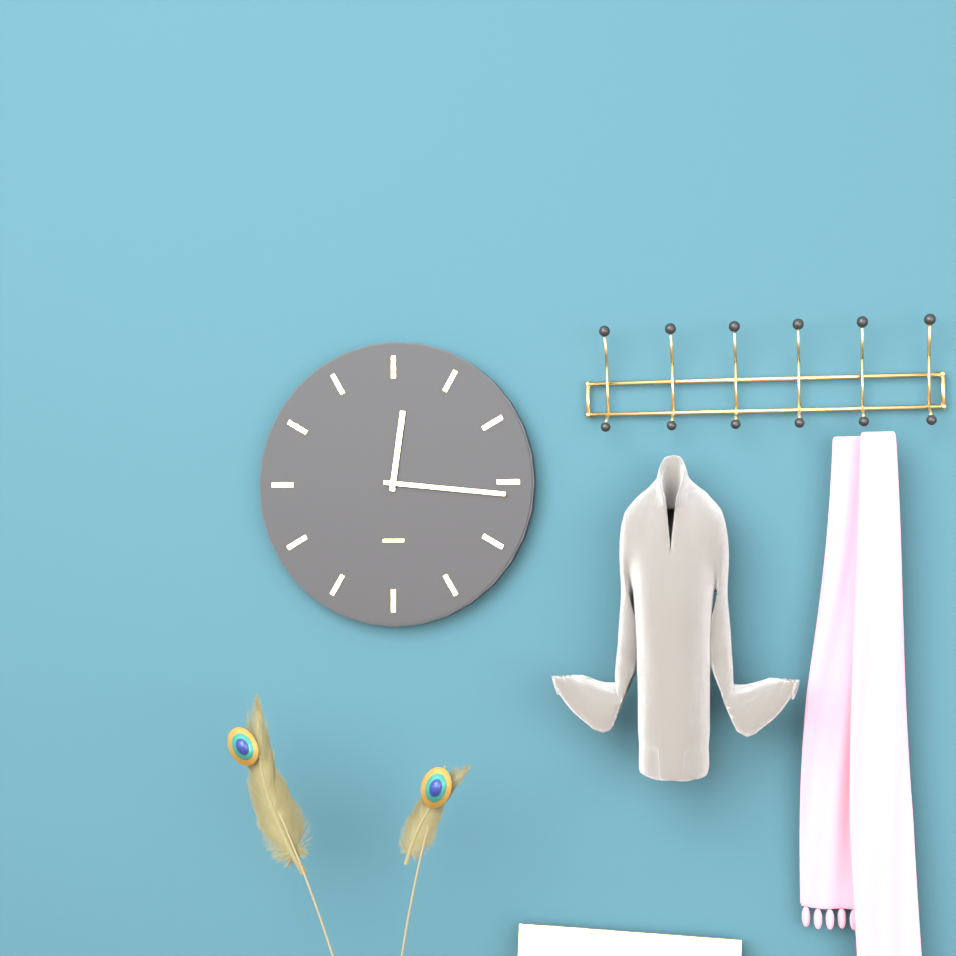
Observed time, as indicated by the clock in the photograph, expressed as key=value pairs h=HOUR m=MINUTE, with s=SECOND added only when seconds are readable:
h=12 m=16
